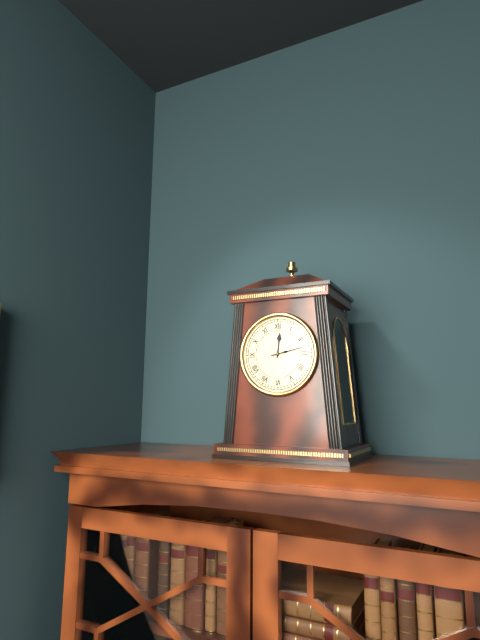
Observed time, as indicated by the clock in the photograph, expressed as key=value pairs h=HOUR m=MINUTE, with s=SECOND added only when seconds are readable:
h=12 m=13
